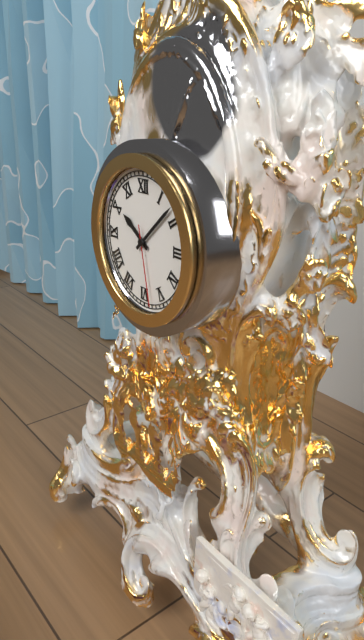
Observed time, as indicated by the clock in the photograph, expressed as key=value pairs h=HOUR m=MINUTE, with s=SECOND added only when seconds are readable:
h=10 m=8 s=28
